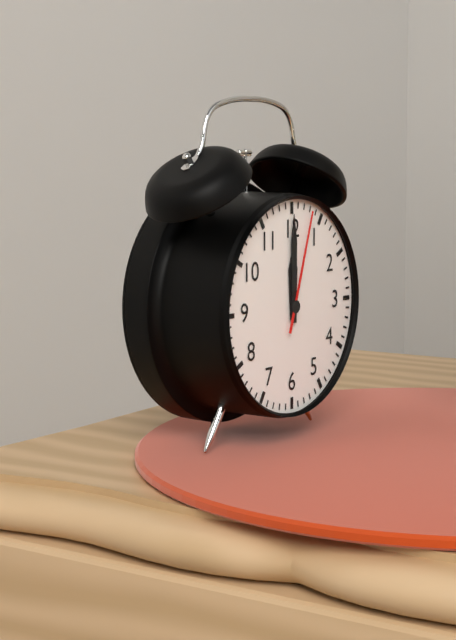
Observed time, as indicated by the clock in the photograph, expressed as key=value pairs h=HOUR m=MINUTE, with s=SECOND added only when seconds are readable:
h=12 m=0 s=3
